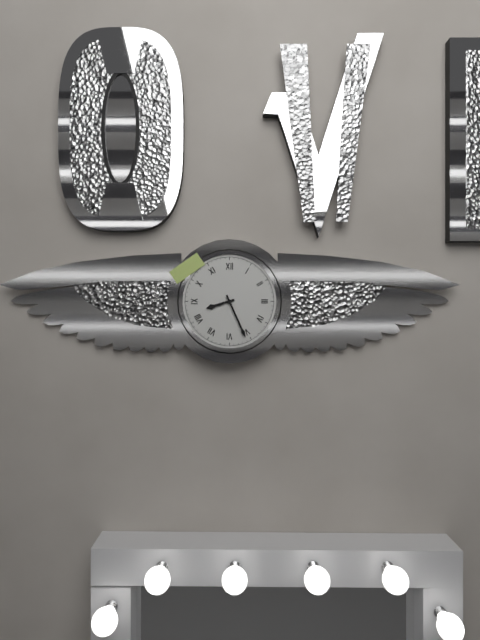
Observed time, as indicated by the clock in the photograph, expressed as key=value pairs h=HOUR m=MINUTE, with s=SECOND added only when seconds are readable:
h=8 m=26
